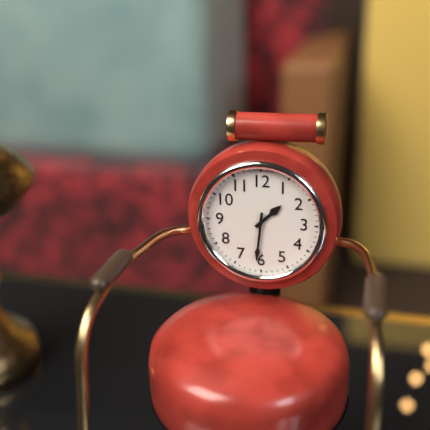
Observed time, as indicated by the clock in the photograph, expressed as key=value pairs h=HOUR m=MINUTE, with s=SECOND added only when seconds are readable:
h=1 m=31
